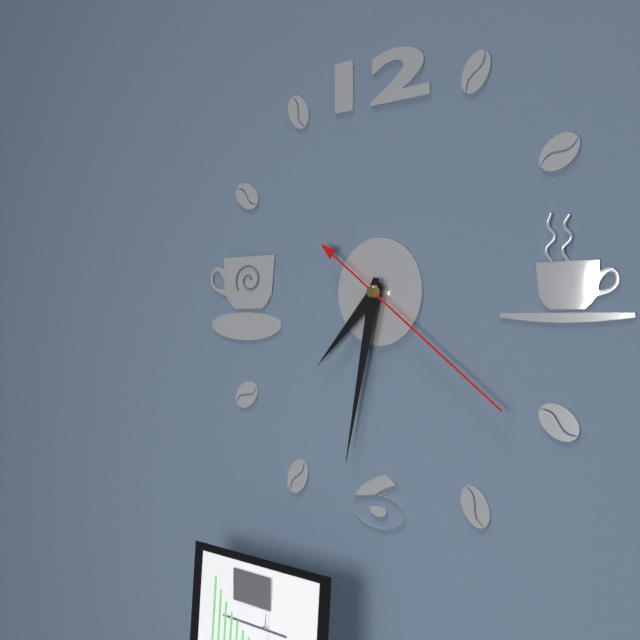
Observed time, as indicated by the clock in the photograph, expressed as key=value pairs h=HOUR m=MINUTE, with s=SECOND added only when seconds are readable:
h=7 m=32 s=21
